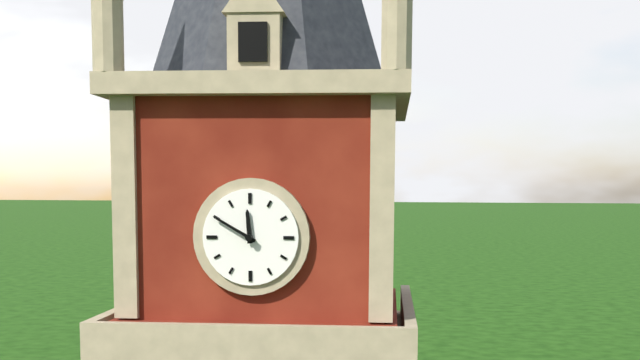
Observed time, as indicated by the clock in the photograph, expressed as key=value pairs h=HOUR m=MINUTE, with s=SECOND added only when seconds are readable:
h=11 m=50
